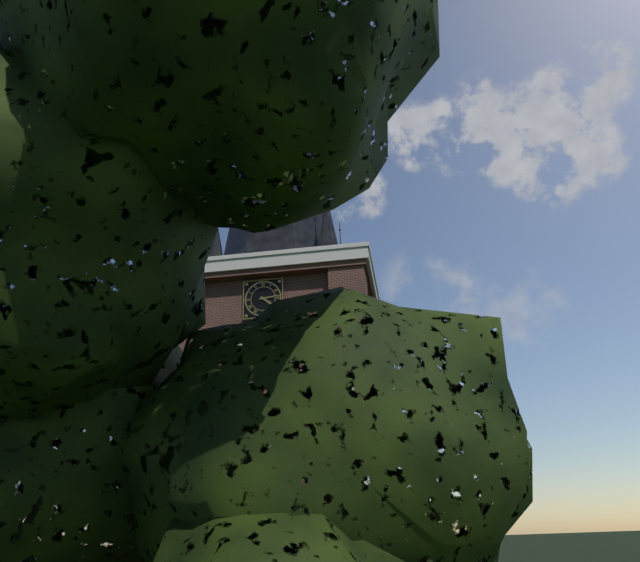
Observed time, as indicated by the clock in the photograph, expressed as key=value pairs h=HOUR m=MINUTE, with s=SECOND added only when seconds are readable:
h=4 m=14
